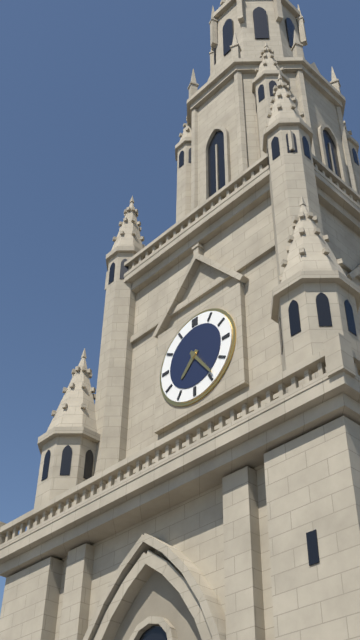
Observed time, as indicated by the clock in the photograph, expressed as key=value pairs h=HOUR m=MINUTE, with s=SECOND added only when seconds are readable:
h=7 m=24
